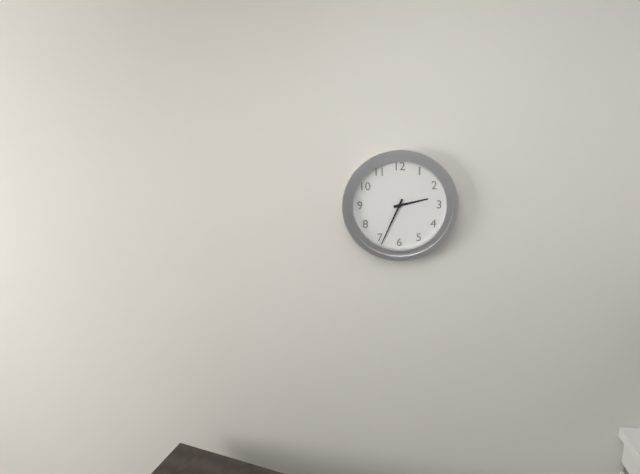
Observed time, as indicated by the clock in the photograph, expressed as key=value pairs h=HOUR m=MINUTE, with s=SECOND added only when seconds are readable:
h=2 m=34
